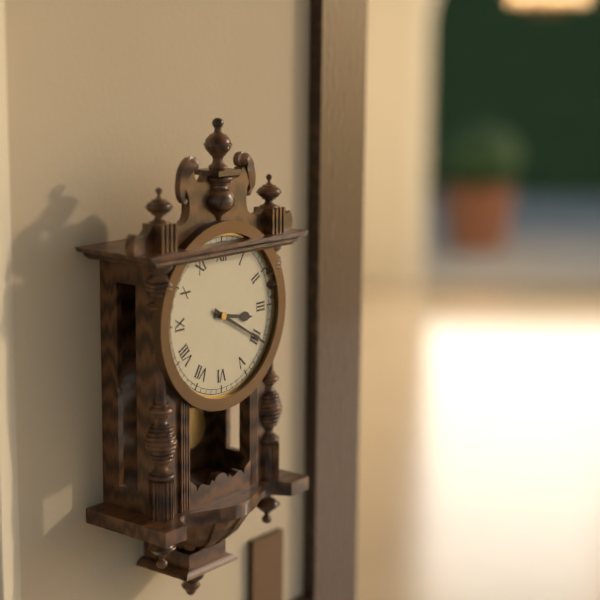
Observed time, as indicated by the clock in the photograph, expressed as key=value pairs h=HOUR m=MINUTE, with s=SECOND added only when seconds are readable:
h=3 m=20
